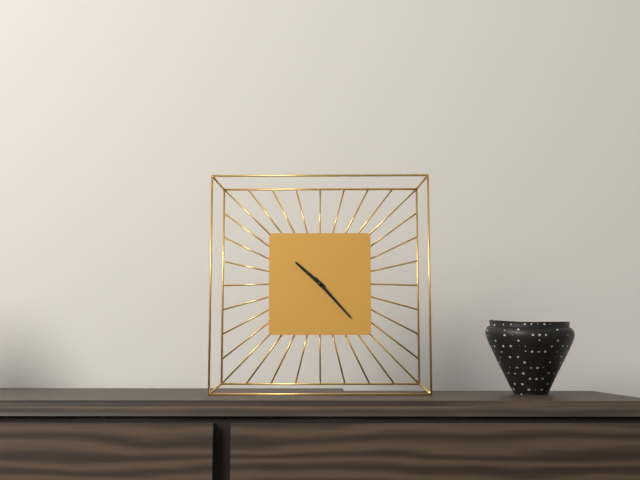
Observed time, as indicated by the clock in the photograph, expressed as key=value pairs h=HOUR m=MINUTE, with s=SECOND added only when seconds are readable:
h=10 m=23
